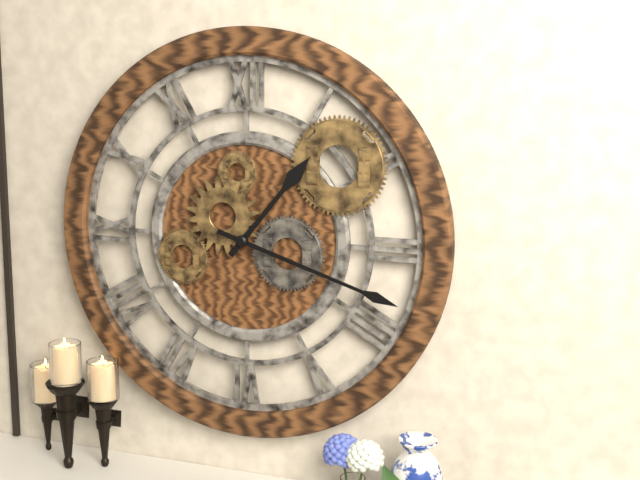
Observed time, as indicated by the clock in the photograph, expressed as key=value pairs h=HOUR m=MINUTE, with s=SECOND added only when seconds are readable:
h=1 m=18
